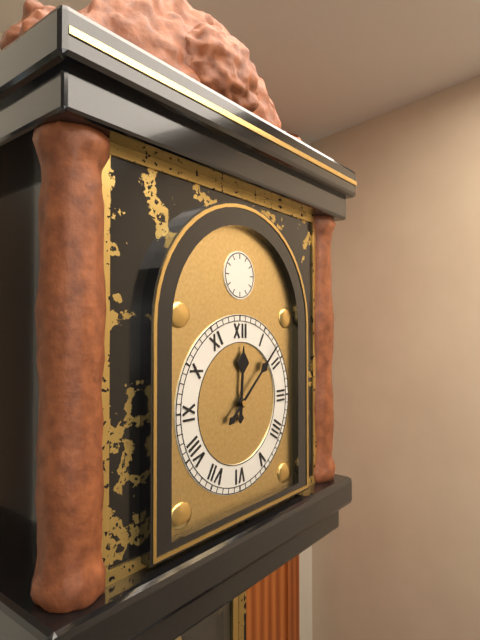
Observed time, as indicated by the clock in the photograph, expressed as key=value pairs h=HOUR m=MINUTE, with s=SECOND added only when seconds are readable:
h=12 m=8
